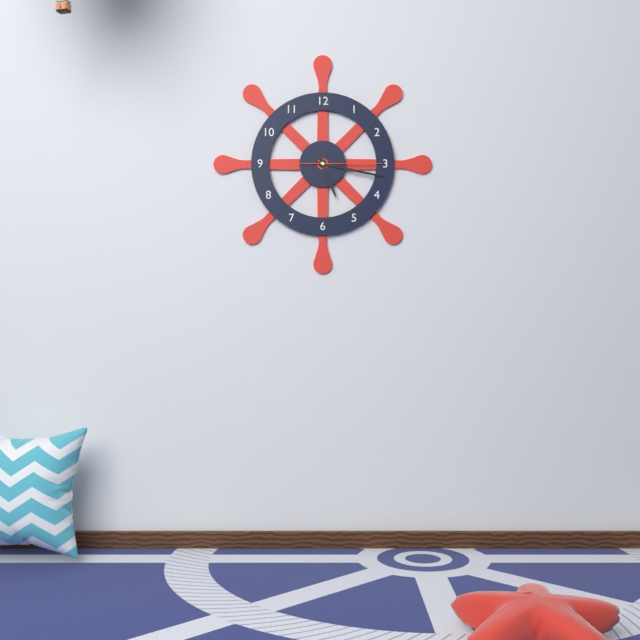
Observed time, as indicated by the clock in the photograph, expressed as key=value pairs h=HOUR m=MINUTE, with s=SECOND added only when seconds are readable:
h=5 m=17 s=15
